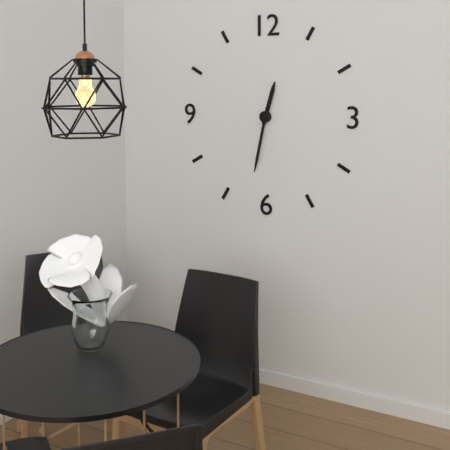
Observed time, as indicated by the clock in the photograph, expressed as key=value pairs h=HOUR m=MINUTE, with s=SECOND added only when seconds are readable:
h=12 m=32
